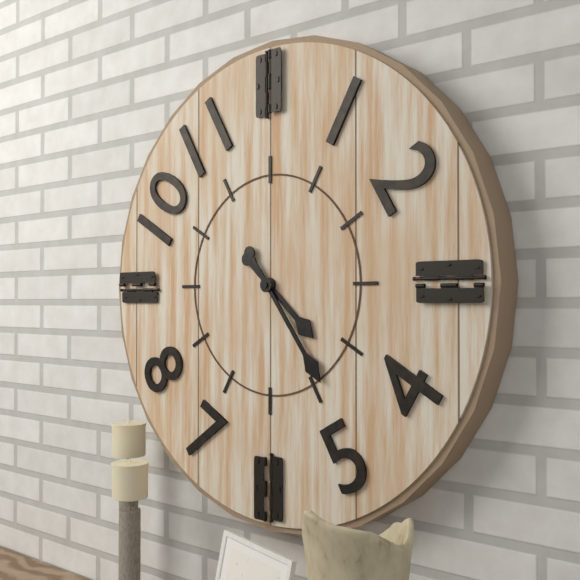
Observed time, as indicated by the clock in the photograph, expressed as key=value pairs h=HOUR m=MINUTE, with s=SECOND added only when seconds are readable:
h=4 m=24
